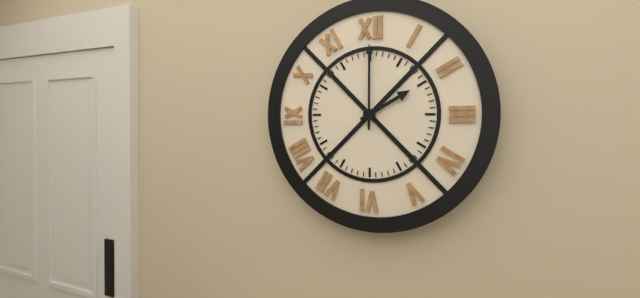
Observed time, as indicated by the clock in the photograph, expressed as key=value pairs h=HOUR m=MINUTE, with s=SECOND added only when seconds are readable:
h=2 m=0
